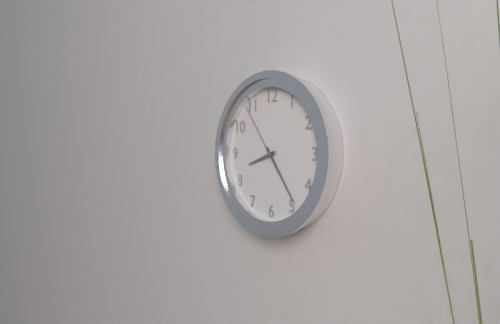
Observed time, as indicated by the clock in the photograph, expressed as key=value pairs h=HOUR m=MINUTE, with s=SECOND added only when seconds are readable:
h=8 m=24 s=54
